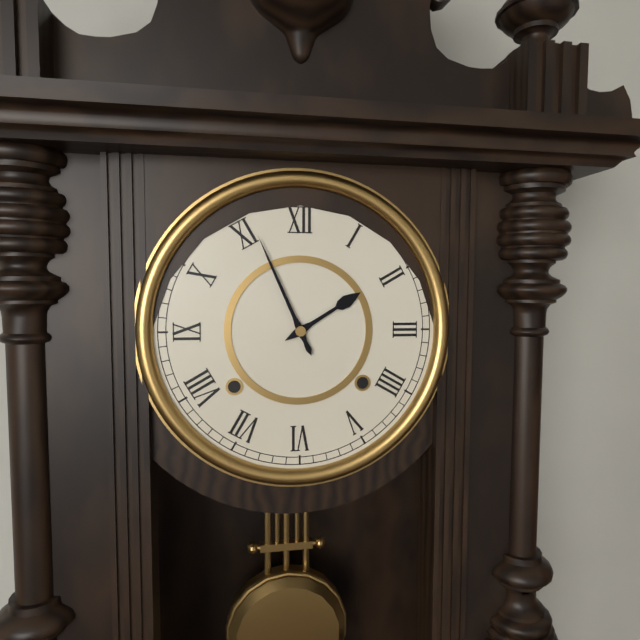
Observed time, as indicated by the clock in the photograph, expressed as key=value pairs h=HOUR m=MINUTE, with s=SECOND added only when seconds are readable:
h=1 m=56
